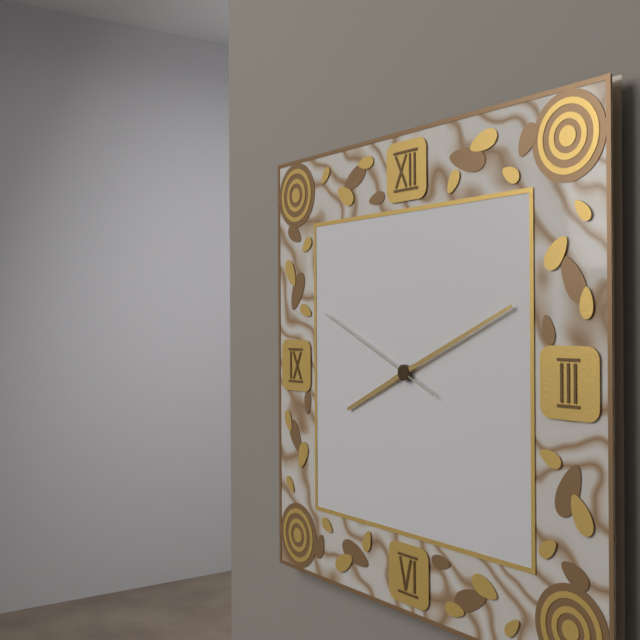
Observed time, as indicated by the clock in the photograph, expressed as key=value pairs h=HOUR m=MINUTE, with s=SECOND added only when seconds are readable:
h=8 m=11 s=49
